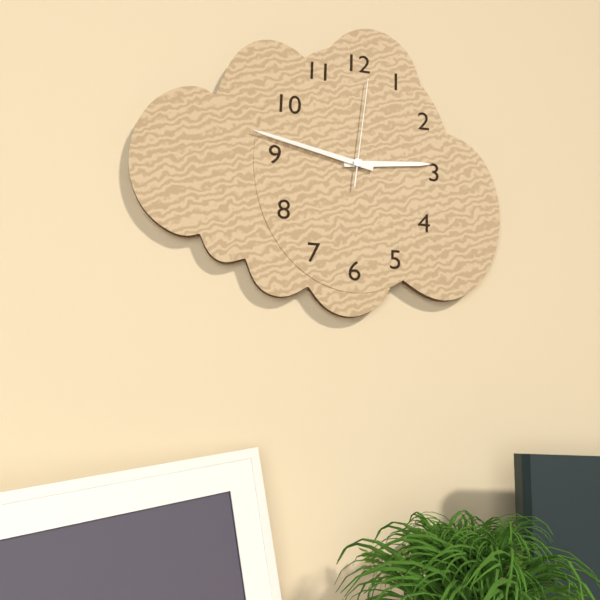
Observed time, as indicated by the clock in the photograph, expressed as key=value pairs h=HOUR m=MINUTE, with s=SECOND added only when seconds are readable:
h=2 m=47 s=1
